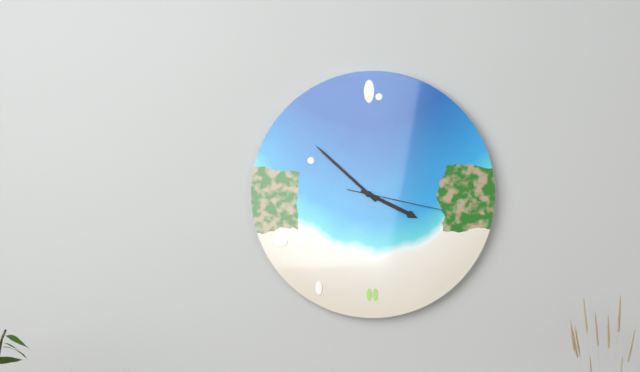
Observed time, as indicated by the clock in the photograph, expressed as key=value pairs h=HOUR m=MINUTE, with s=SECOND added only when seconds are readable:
h=3 m=52 s=17
